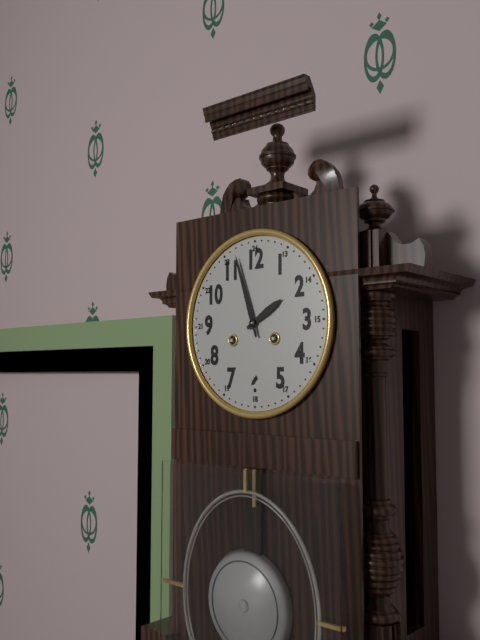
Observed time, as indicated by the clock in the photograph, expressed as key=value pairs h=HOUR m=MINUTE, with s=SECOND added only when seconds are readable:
h=1 m=57
